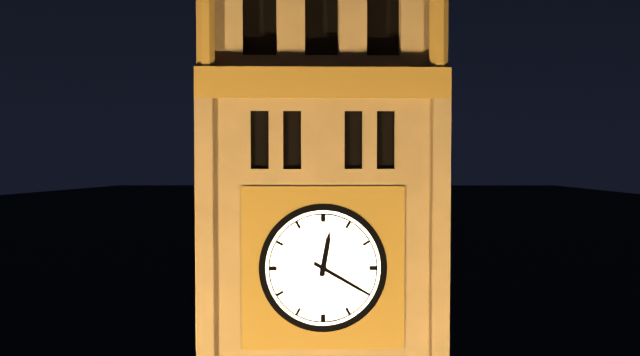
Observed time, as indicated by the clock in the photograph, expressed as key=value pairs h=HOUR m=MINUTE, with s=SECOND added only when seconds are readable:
h=12 m=20
